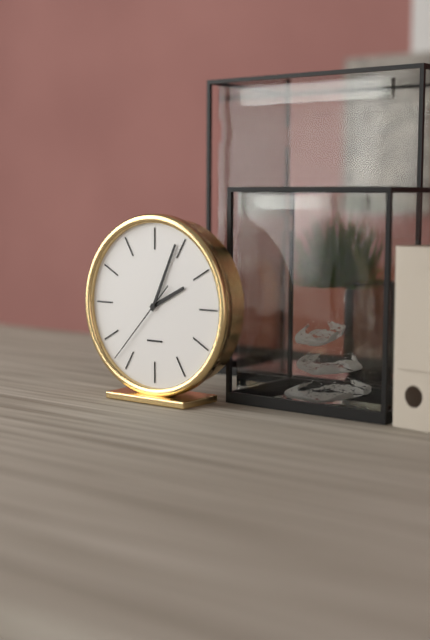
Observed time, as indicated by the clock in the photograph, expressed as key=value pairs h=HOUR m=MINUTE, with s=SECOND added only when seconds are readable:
h=2 m=4 s=37
